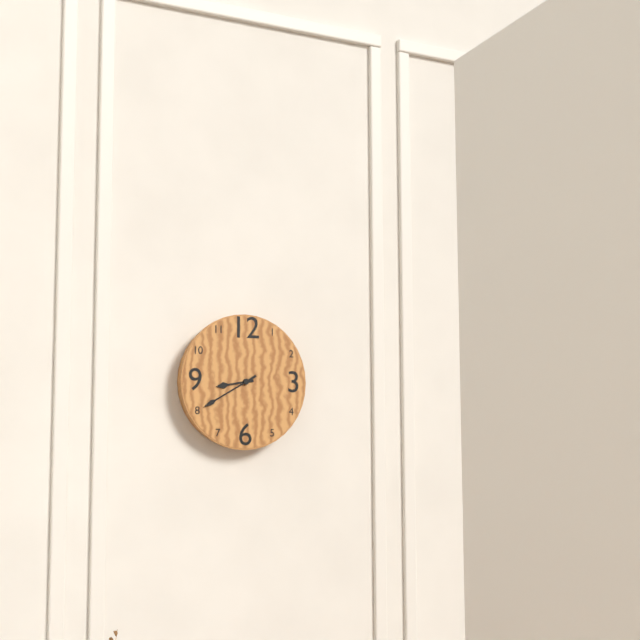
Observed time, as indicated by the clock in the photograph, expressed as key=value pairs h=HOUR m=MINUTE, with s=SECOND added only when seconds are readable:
h=8 m=40
